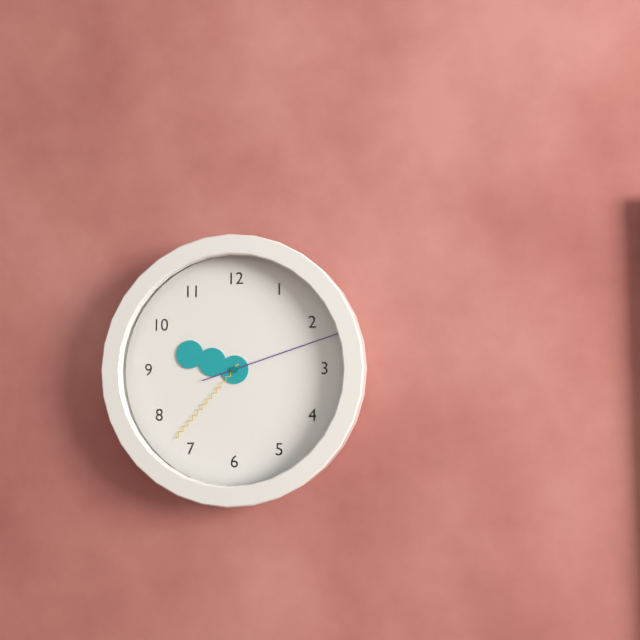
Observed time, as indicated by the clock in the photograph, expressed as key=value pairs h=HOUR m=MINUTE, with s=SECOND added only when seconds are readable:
h=9 m=37 s=12
